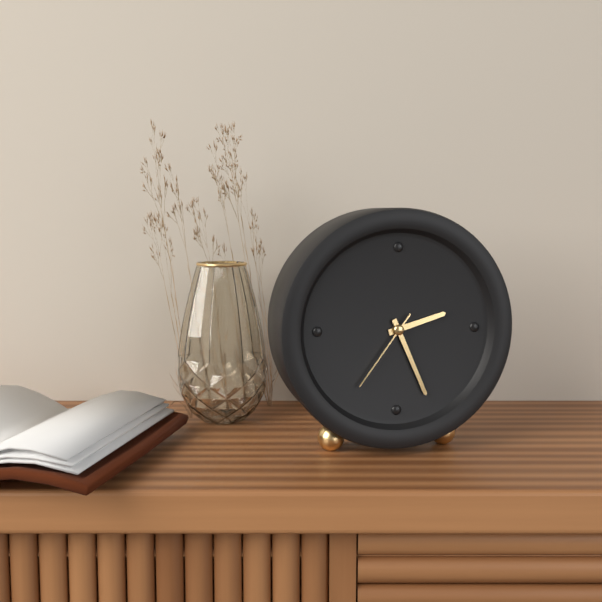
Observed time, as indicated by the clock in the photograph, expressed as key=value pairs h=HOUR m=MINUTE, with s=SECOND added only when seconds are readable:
h=2 m=26 s=36
